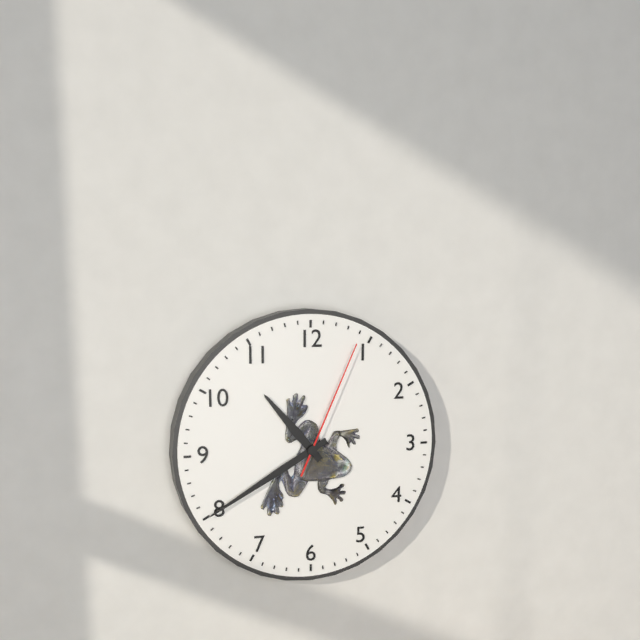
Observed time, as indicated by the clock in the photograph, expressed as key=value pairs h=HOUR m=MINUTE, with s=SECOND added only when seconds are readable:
h=10 m=40 s=4
